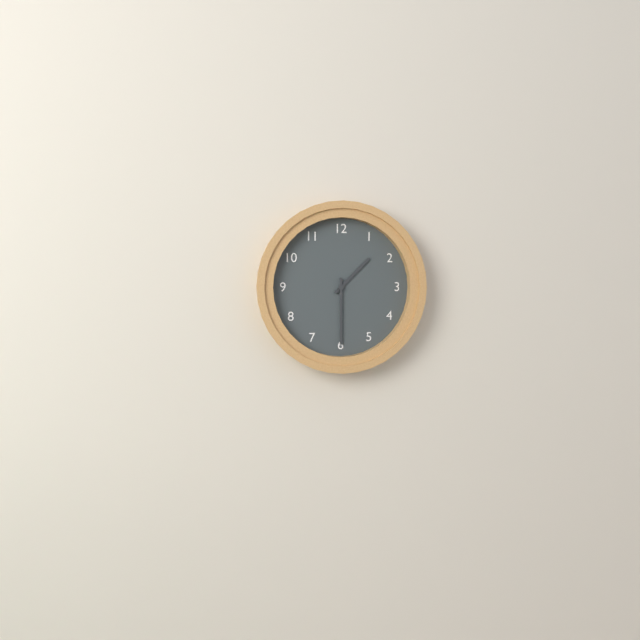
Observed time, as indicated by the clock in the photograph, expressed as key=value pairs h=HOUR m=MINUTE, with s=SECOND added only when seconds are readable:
h=1 m=30
